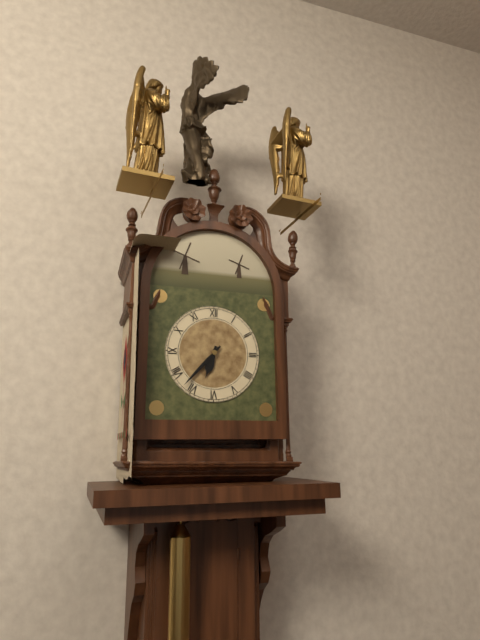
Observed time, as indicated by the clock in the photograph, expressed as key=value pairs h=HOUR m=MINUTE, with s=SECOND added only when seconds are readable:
h=6 m=37
